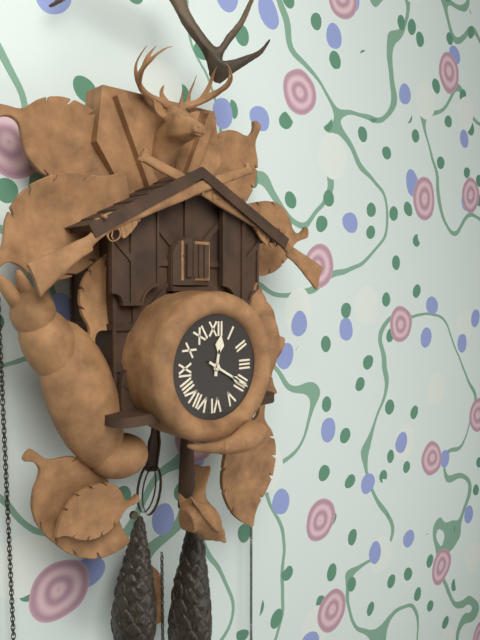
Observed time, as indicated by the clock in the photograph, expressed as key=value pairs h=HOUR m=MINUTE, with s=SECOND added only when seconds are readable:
h=12 m=20
